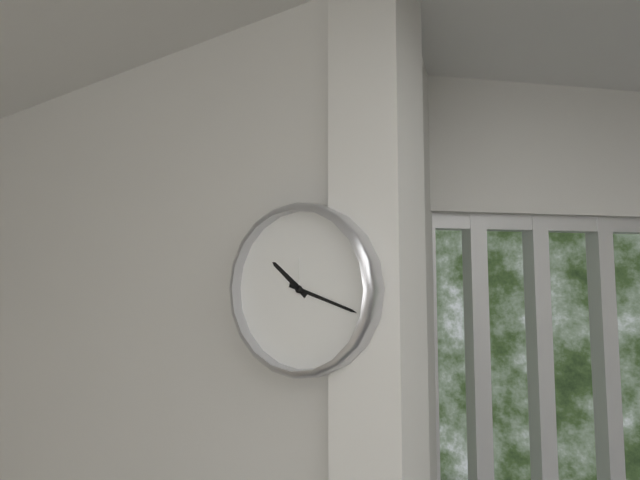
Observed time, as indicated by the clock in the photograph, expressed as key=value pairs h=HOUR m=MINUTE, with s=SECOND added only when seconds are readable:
h=10 m=18
